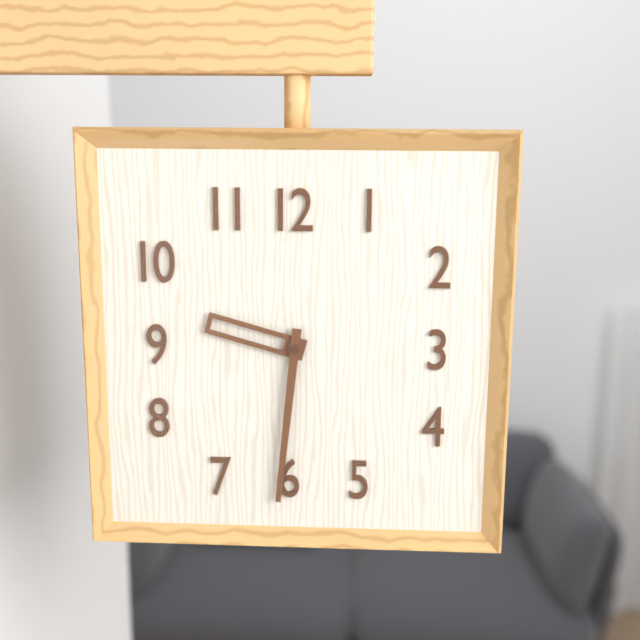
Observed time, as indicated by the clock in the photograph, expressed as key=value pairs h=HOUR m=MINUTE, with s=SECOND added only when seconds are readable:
h=9 m=31
